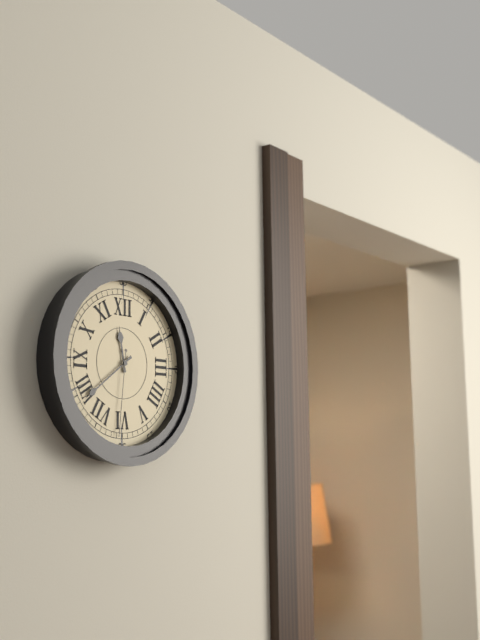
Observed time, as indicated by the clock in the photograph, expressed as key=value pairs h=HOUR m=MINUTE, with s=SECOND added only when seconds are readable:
h=11 m=39 s=31
